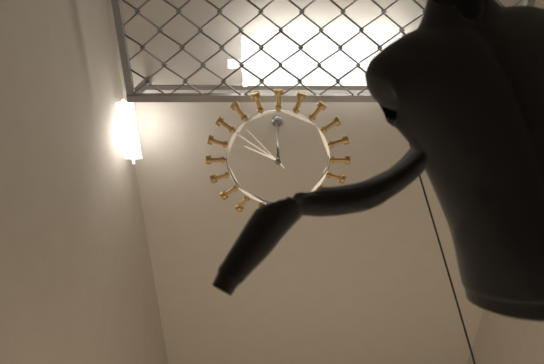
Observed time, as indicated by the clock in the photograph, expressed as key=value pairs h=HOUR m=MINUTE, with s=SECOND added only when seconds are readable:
h=9 m=51 s=53
